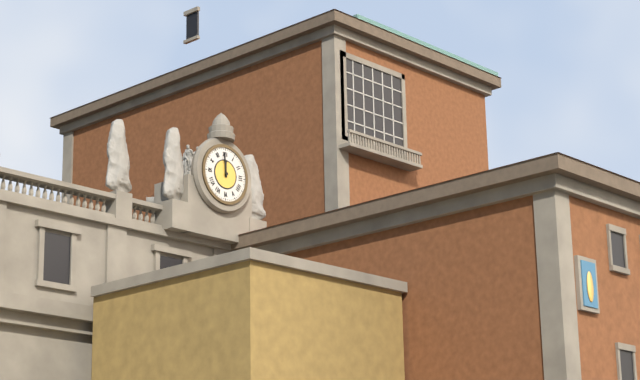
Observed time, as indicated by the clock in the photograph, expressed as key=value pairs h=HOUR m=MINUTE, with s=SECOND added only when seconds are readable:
h=11 m=59
